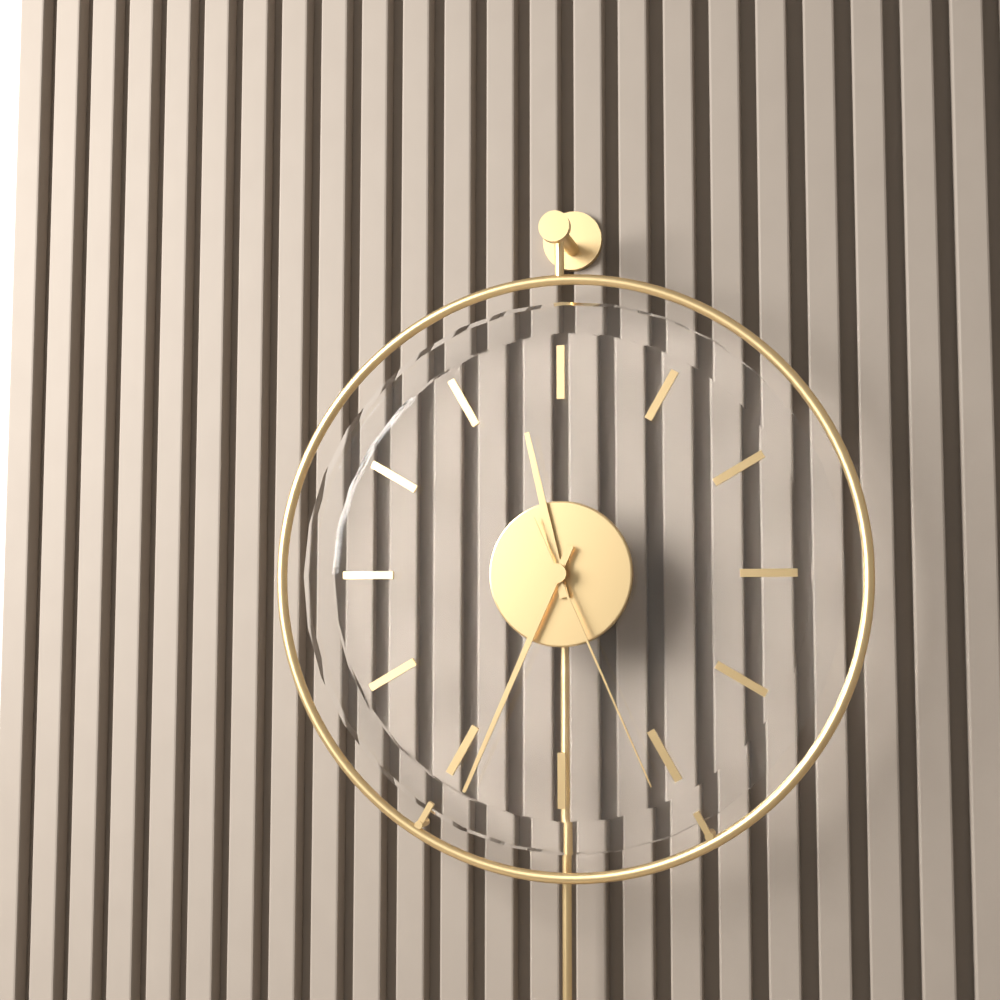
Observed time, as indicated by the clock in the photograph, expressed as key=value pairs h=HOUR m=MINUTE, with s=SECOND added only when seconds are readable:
h=11 m=34 s=26
